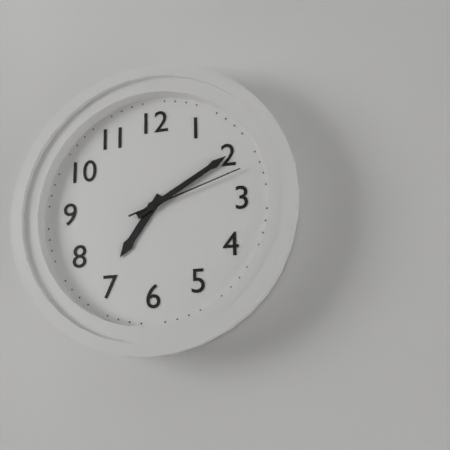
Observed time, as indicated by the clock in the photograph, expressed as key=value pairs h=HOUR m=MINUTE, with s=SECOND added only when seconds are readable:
h=7 m=10 s=12
